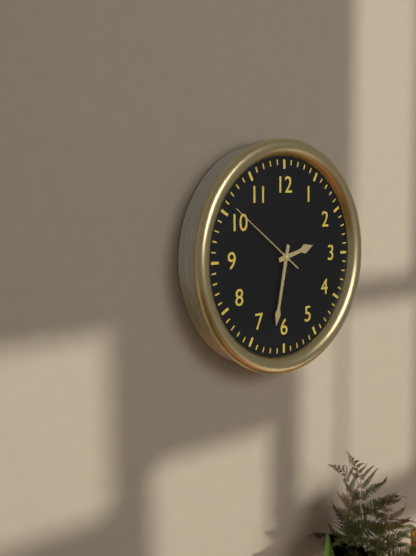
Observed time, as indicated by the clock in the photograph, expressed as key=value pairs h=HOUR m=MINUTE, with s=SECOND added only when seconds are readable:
h=2 m=32 s=51
